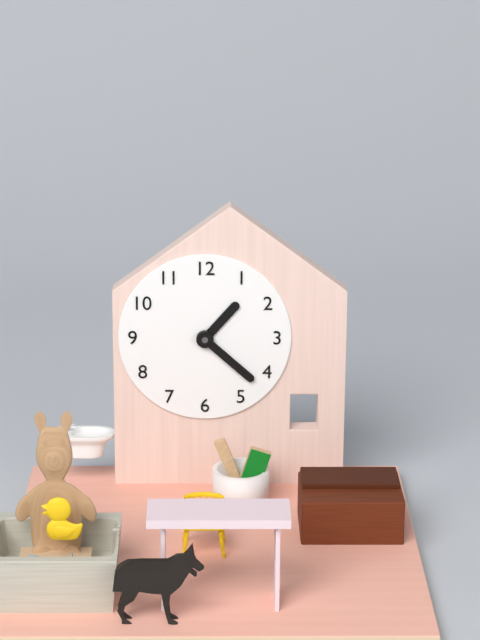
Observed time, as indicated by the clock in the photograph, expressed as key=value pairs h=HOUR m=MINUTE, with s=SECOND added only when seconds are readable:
h=1 m=22
